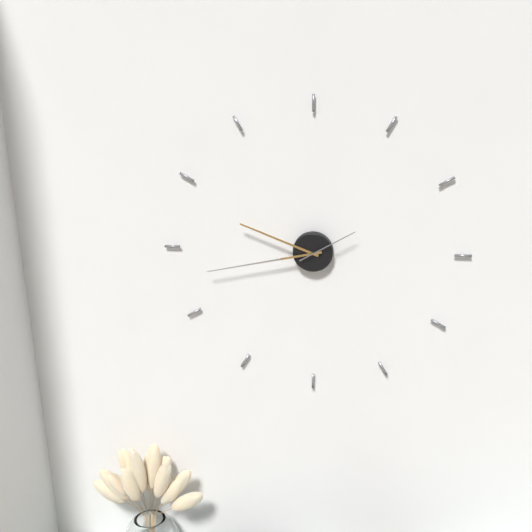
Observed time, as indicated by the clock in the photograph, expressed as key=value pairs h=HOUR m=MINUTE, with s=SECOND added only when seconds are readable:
h=9 m=43 s=10
